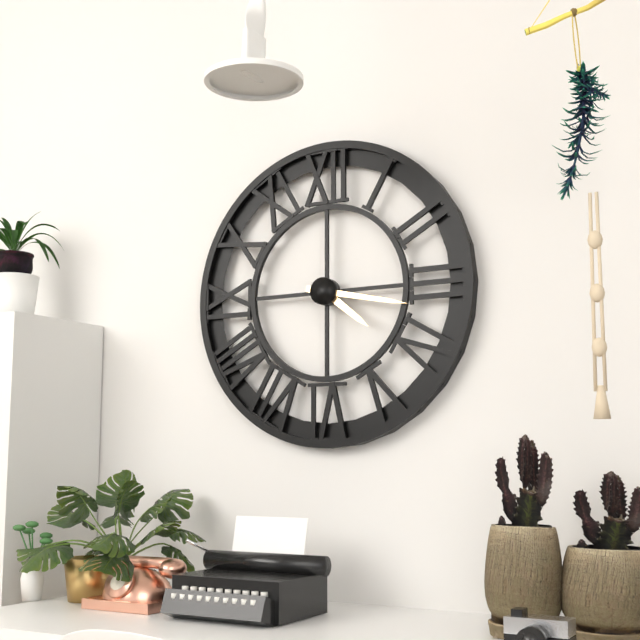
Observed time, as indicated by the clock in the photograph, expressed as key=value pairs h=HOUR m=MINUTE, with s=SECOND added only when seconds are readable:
h=4 m=17
